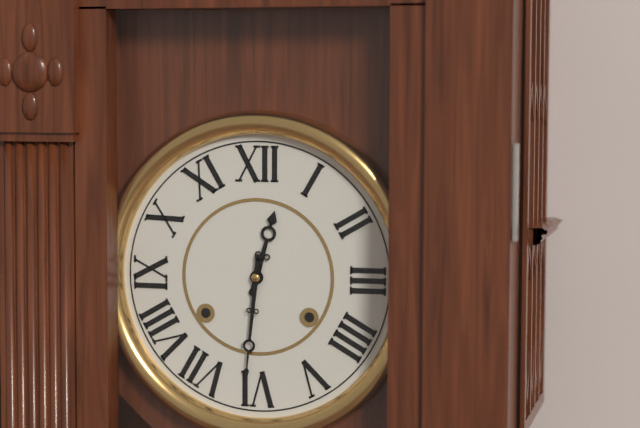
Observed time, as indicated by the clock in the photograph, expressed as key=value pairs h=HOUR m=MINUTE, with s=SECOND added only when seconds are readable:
h=12 m=31
